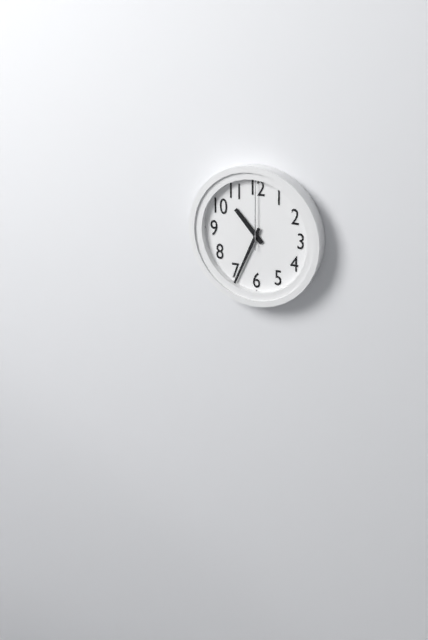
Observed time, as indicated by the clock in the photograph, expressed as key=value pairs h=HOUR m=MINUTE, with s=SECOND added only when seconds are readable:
h=10 m=34 s=0
